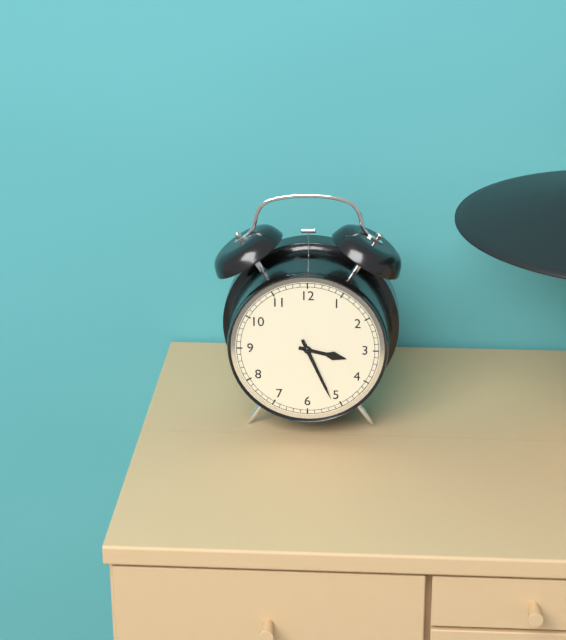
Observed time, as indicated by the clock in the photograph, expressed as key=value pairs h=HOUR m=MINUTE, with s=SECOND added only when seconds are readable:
h=3 m=26
